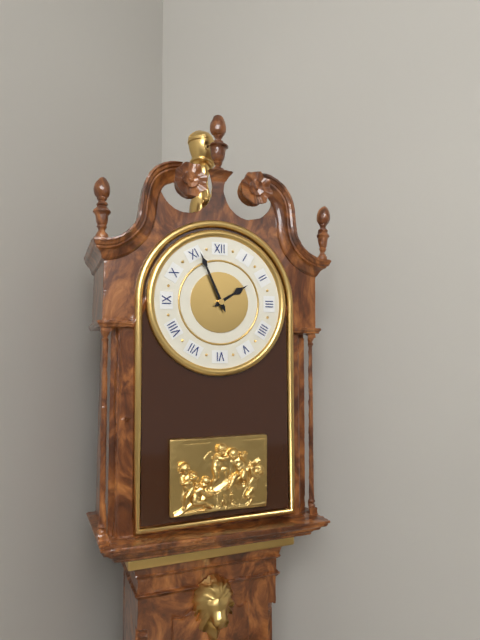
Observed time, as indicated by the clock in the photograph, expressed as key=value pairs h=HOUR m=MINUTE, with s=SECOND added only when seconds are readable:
h=1 m=56
